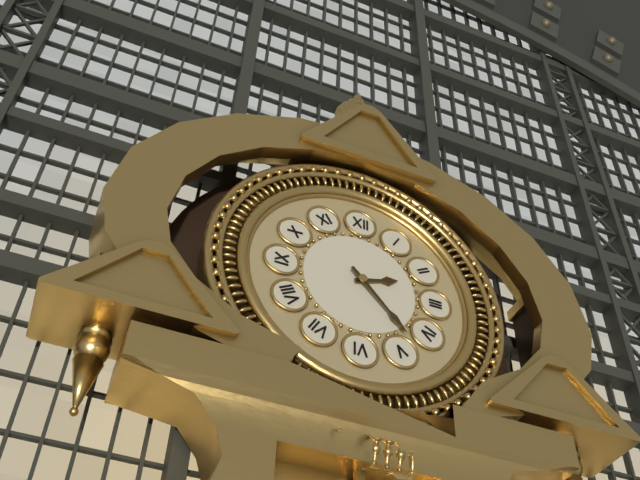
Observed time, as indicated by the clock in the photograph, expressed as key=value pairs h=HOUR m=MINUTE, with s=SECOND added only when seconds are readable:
h=2 m=23
